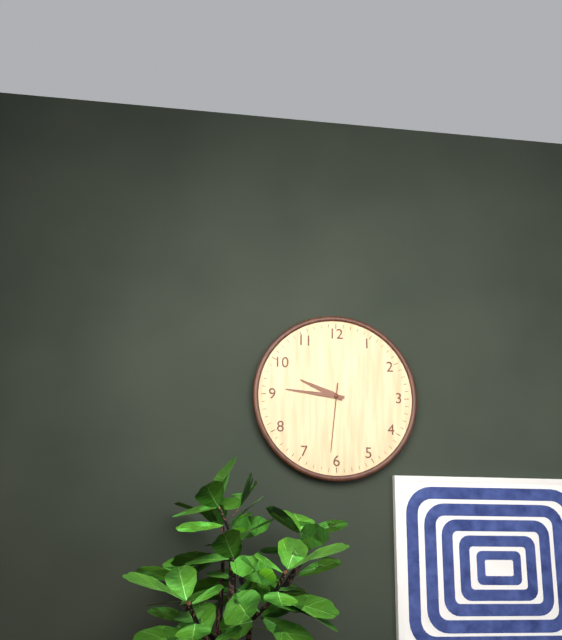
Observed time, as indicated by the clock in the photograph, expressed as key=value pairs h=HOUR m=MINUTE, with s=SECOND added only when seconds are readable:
h=9 m=46 s=31
